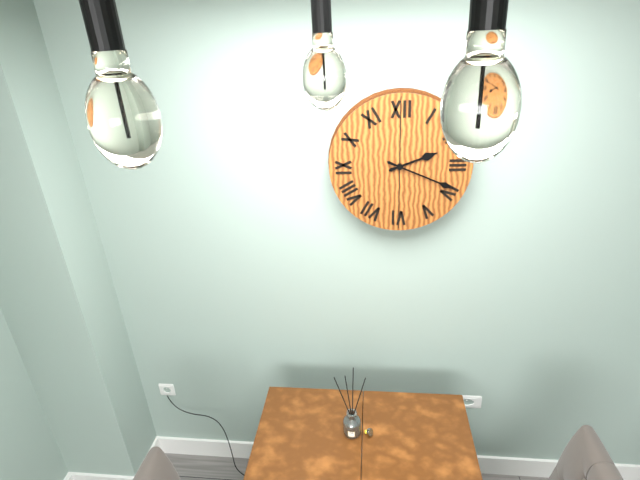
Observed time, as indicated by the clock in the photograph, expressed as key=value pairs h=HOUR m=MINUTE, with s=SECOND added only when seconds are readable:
h=2 m=19
